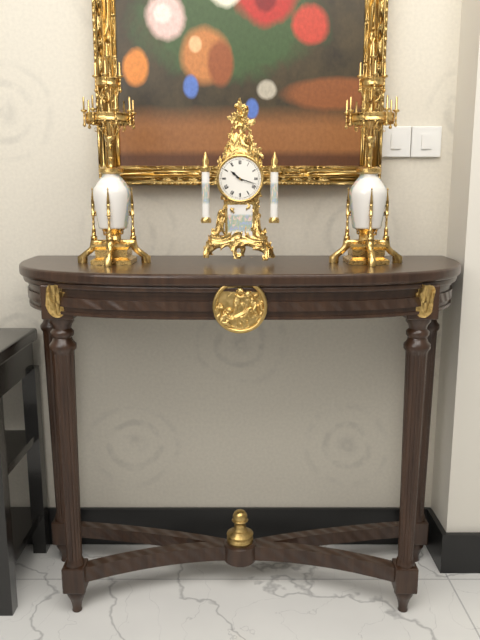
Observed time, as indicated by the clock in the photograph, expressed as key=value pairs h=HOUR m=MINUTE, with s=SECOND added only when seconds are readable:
h=10 m=18
